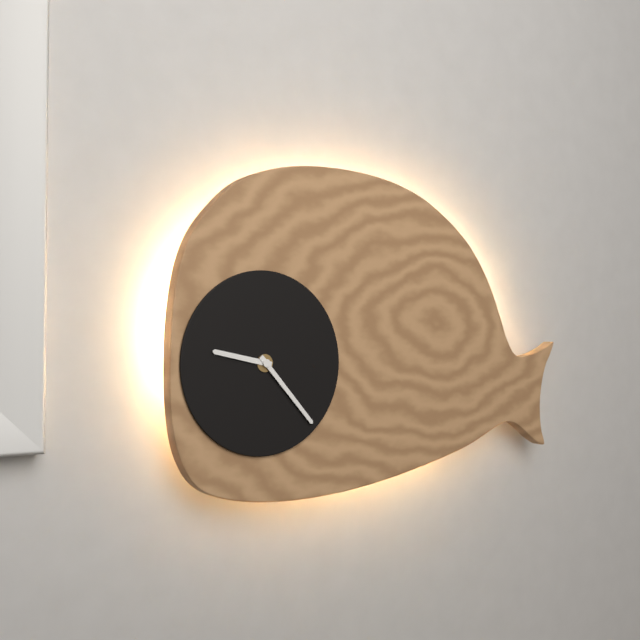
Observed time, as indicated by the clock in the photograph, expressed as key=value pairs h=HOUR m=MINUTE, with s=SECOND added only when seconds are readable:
h=9 m=23
